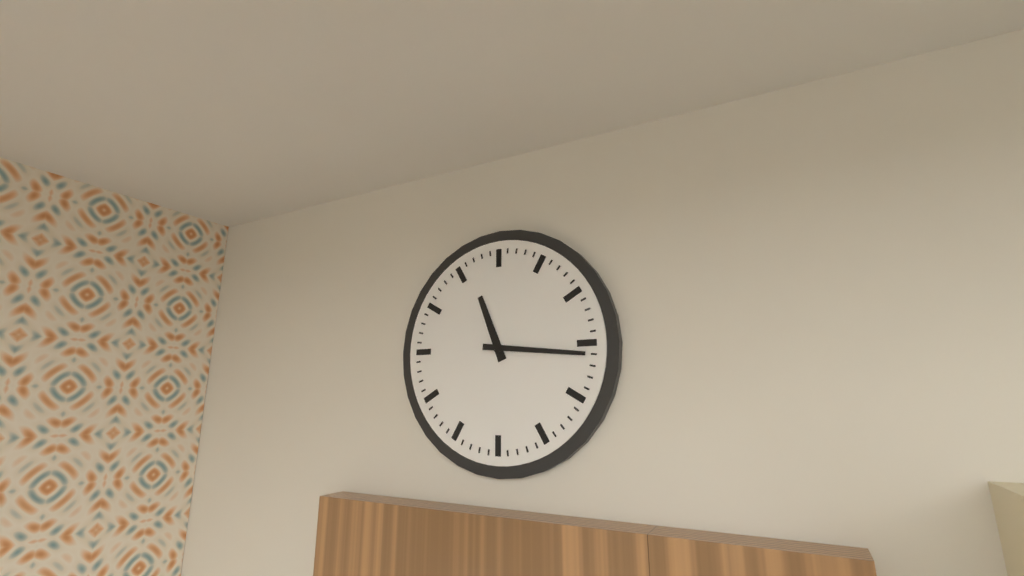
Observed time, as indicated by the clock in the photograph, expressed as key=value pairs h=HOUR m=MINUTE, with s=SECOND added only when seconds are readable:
h=11 m=16
